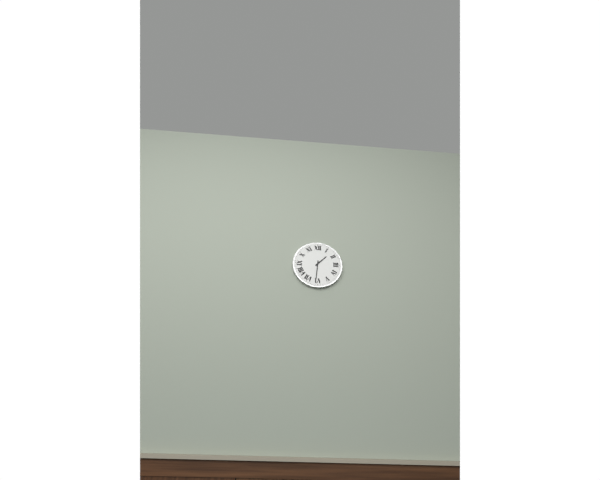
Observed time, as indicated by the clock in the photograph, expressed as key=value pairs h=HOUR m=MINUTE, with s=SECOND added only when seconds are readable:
h=1 m=31
